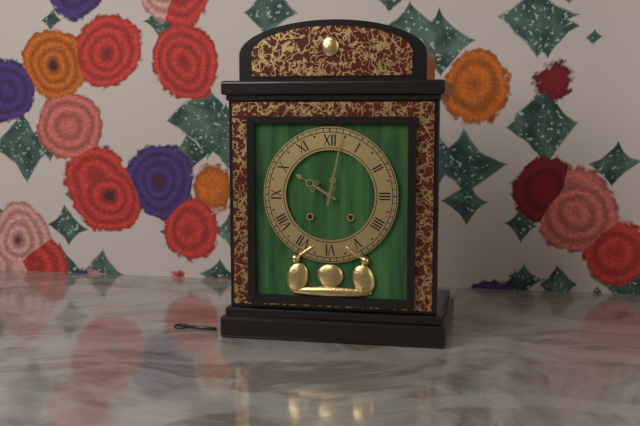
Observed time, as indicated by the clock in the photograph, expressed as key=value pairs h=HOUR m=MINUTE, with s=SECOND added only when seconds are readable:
h=10 m=2
